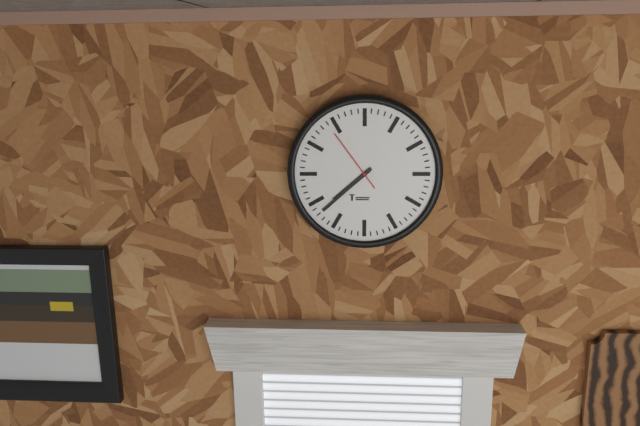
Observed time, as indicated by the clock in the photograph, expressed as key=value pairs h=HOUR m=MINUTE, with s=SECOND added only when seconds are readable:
h=7 m=38 s=54
